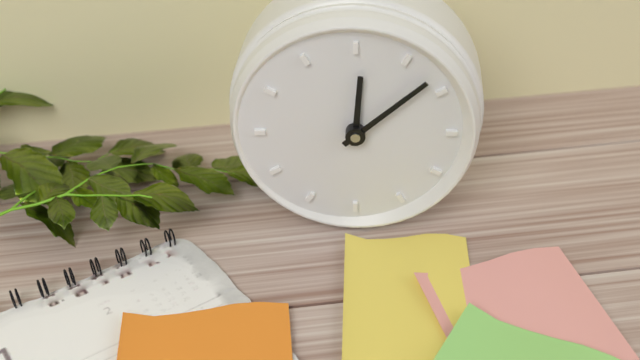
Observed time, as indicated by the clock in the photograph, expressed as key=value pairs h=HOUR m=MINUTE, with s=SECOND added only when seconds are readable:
h=12 m=8
